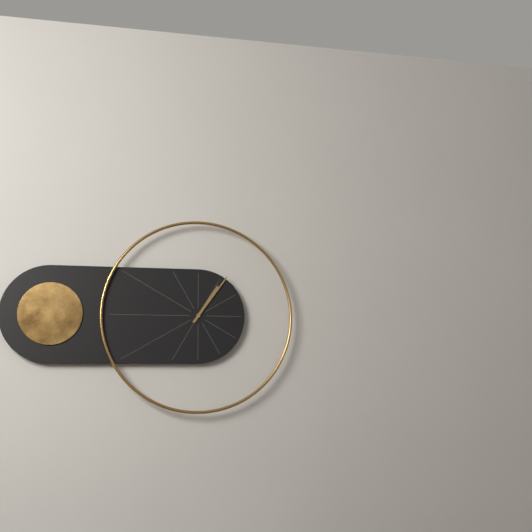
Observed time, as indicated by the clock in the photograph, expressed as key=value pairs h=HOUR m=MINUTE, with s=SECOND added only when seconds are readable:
h=1 m=6
